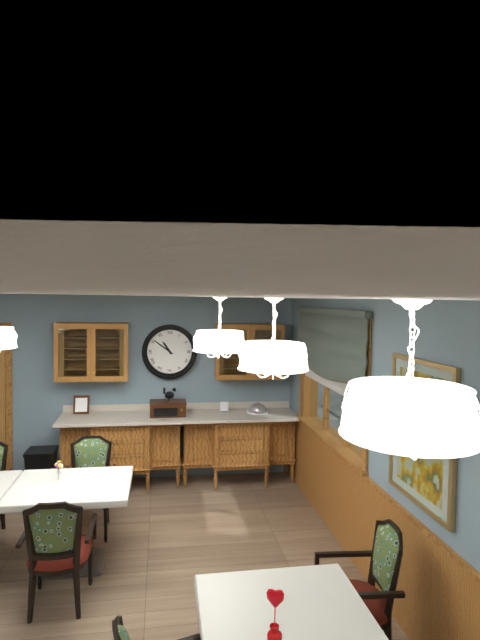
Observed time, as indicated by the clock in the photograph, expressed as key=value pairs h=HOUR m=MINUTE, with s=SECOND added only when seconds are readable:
h=10 m=51
